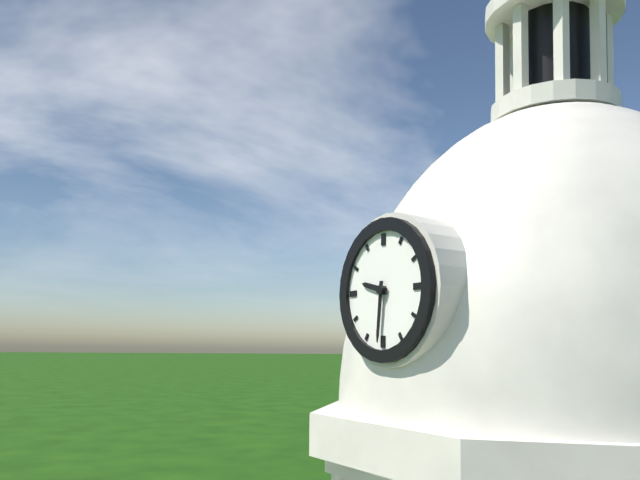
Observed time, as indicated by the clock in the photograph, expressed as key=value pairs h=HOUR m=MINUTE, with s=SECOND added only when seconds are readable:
h=9 m=31
